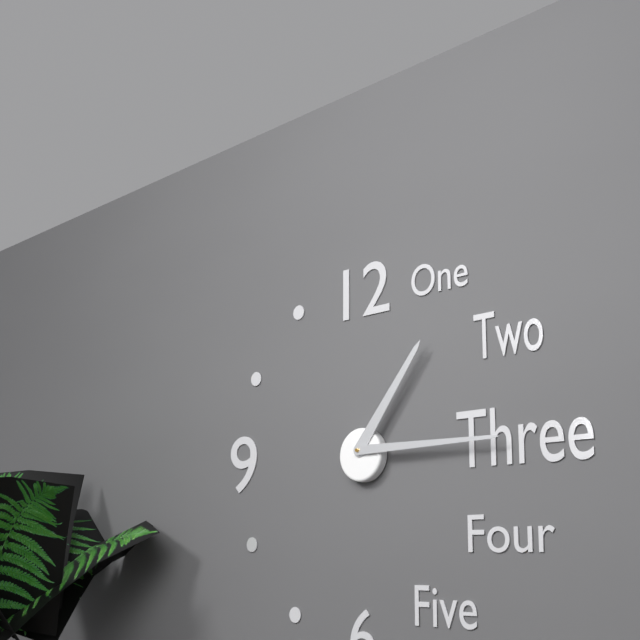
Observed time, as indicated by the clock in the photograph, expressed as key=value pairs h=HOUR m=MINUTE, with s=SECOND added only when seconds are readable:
h=1 m=15
